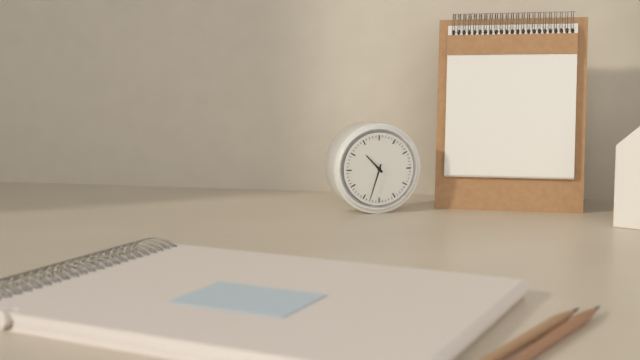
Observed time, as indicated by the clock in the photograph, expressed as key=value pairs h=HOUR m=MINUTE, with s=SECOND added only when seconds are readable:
h=10 m=33
